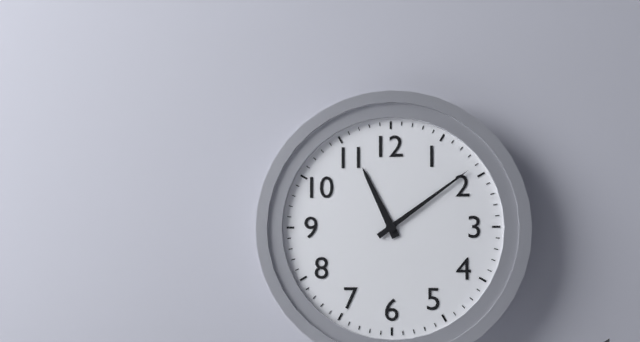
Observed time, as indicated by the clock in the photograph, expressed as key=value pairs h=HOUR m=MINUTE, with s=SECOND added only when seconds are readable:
h=11 m=9
